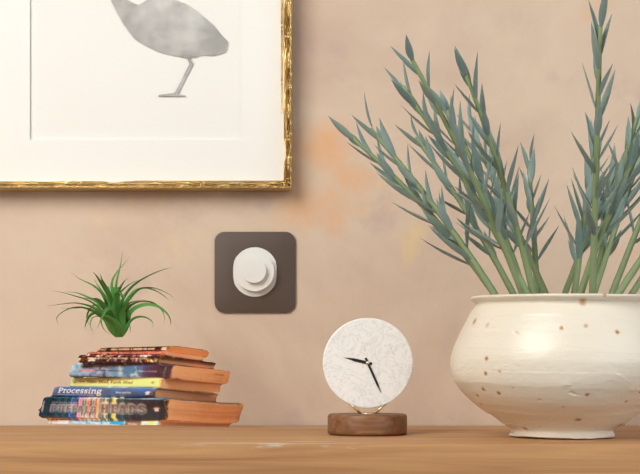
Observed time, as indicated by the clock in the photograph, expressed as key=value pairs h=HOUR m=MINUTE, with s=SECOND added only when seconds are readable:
h=9 m=26
